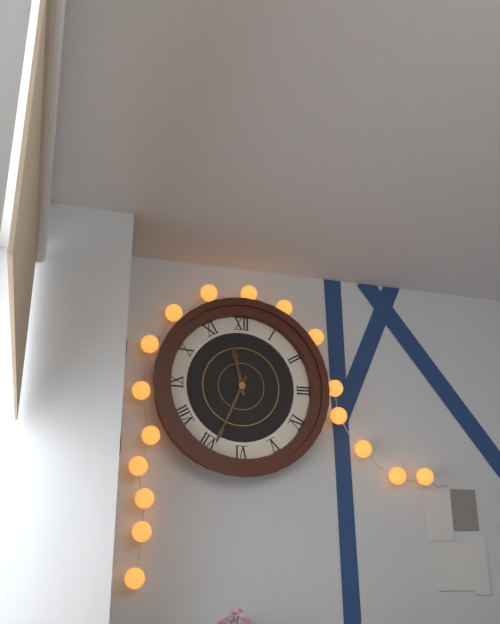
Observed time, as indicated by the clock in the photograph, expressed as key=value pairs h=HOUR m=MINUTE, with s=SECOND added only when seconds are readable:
h=11 m=34
